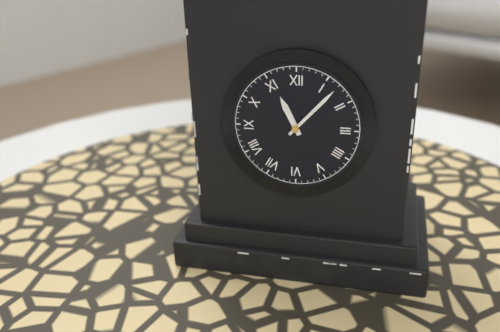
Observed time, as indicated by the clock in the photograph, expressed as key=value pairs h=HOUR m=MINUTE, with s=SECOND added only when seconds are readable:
h=11 m=7
